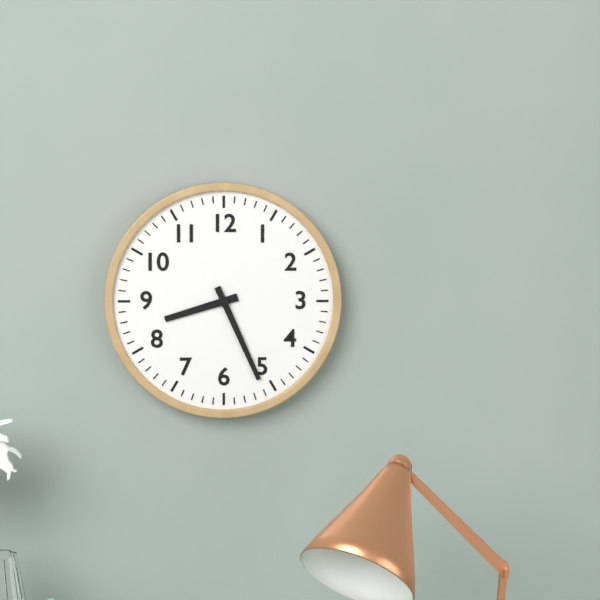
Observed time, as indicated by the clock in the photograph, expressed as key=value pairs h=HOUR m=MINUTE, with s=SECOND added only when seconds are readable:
h=8 m=26
